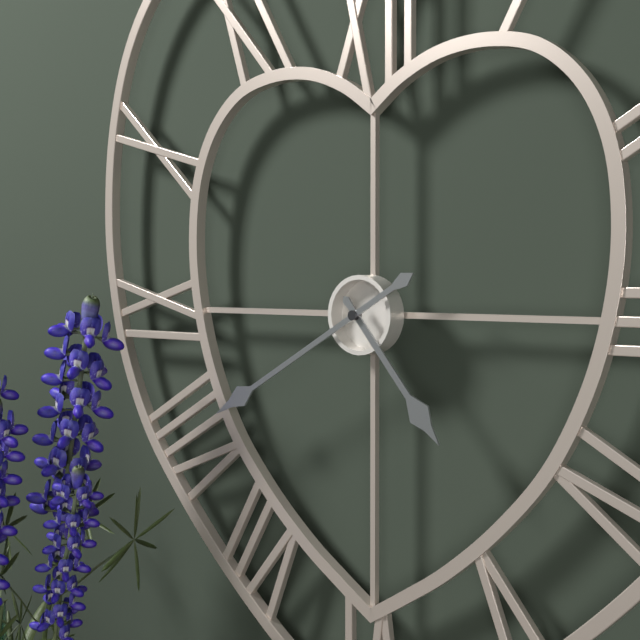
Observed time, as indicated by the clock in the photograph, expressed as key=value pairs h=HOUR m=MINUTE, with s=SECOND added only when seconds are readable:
h=4 m=40
